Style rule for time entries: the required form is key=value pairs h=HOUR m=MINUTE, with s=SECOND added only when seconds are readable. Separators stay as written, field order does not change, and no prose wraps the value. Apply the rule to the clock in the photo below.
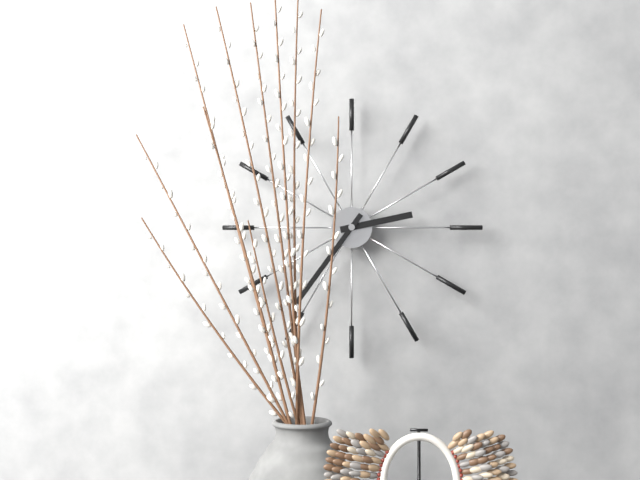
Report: h=2 m=36
